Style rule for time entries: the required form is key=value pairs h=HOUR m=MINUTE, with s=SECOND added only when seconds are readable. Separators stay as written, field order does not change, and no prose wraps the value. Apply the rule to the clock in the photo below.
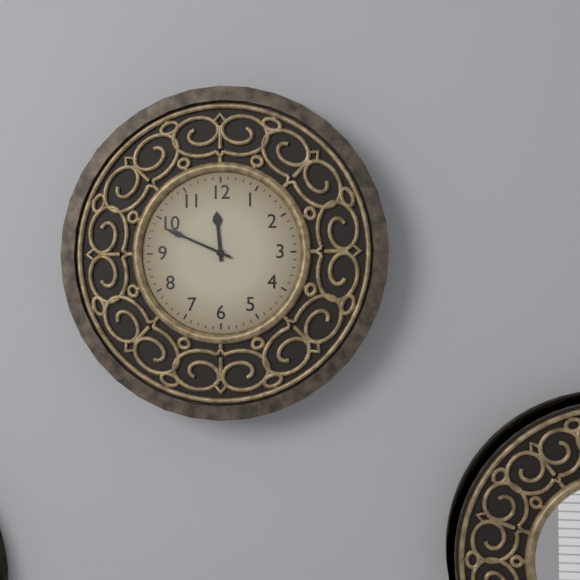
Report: h=11 m=49
